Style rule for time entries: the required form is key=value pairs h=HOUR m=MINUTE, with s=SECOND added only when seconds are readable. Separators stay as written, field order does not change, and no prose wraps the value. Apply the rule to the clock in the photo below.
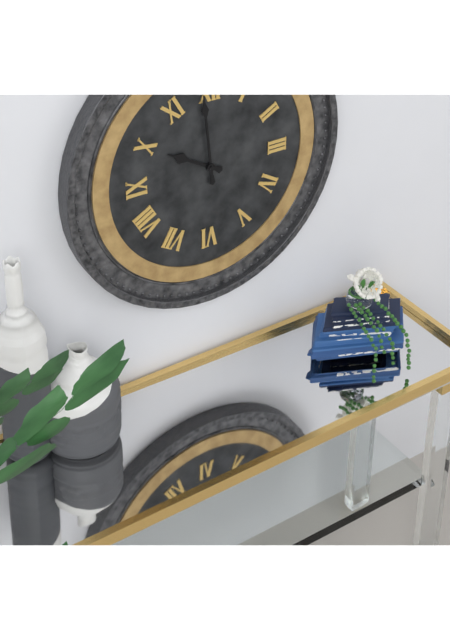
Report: h=9 m=59
